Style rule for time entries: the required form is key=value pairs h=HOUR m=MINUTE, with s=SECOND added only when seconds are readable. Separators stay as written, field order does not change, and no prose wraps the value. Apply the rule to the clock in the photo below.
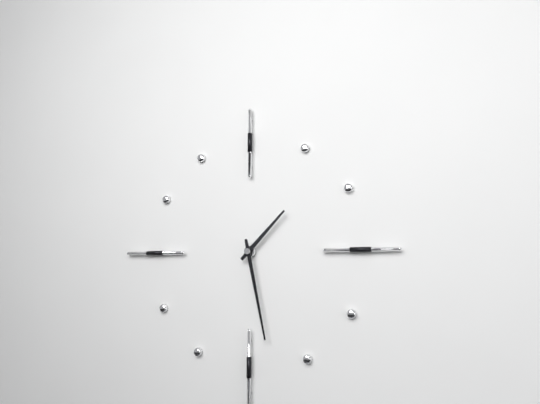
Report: h=1 m=28
